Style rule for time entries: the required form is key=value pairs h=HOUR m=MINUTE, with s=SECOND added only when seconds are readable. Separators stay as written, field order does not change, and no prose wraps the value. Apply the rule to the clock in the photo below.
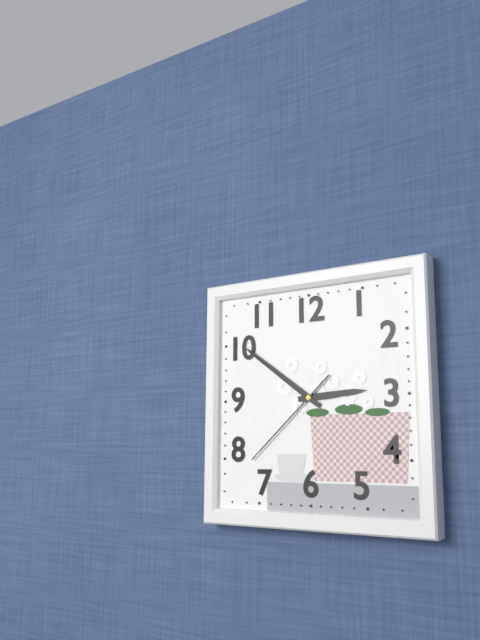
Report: h=2 m=51 s=38
